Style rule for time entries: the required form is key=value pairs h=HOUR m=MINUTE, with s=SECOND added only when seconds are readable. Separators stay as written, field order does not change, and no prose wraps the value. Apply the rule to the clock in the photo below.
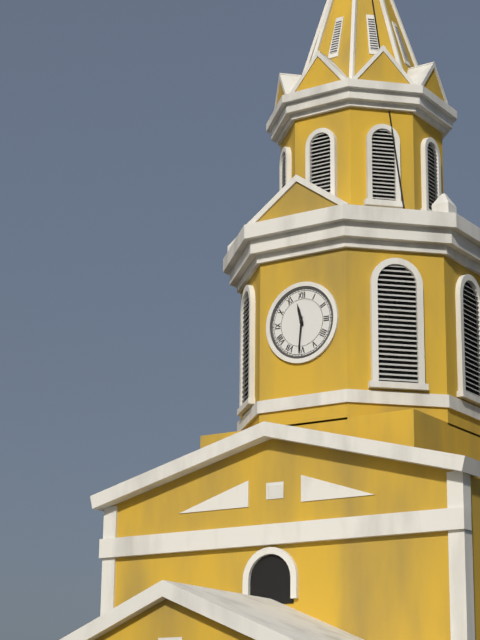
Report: h=11 m=31
